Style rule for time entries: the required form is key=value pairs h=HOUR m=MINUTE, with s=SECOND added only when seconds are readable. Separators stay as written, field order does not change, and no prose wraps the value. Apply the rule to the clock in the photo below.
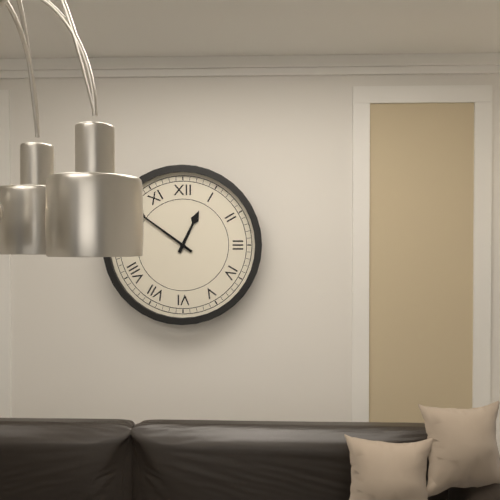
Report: h=12 m=51
